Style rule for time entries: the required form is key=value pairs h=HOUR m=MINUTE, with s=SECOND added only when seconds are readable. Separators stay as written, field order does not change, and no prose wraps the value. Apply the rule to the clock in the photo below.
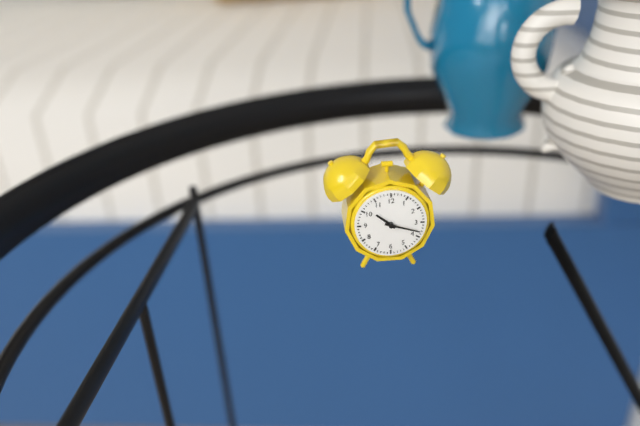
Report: h=10 m=18
